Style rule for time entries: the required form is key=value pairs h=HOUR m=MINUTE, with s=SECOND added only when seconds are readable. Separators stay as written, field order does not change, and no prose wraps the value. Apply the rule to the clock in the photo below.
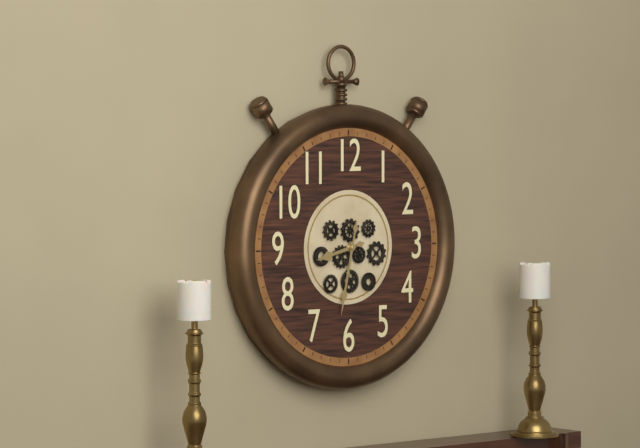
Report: h=8 m=32
